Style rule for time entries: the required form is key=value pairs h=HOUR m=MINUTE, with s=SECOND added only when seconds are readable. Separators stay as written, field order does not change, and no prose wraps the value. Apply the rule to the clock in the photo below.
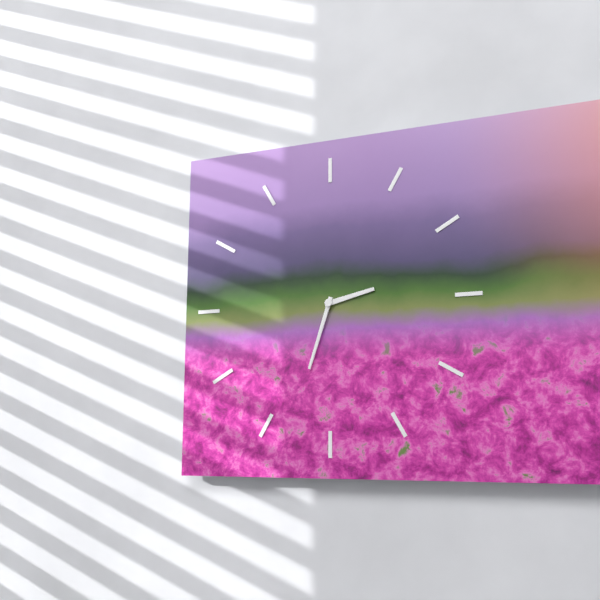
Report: h=2 m=33
